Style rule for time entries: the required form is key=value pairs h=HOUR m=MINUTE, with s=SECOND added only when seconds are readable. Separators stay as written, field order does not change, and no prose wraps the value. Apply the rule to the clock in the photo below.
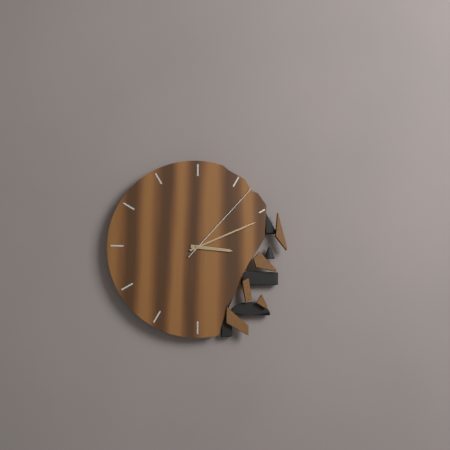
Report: h=3 m=11 s=7
